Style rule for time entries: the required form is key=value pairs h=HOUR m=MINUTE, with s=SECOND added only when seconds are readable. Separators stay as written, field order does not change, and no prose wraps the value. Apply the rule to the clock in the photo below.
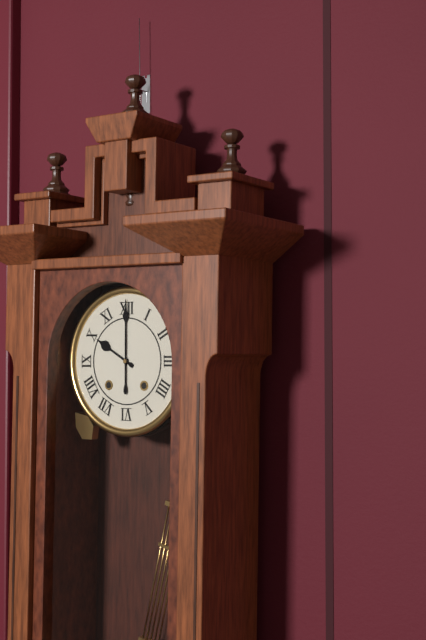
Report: h=10 m=0
